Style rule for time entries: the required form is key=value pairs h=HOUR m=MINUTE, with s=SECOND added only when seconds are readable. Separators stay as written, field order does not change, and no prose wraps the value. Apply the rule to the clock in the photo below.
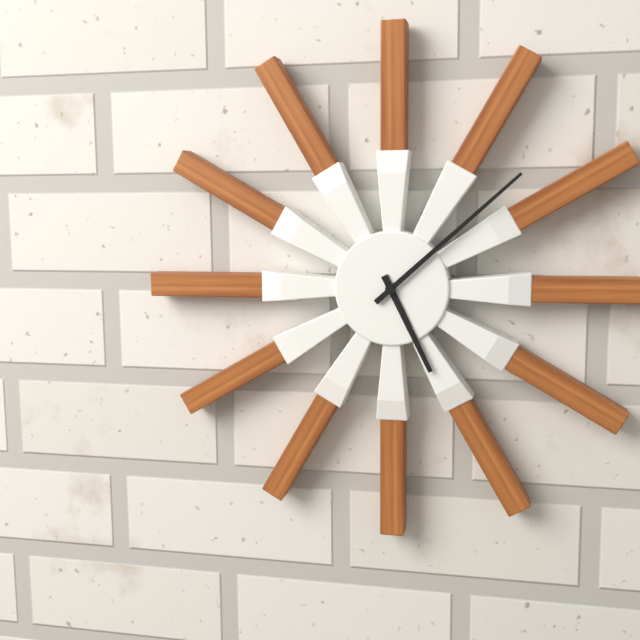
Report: h=5 m=8
